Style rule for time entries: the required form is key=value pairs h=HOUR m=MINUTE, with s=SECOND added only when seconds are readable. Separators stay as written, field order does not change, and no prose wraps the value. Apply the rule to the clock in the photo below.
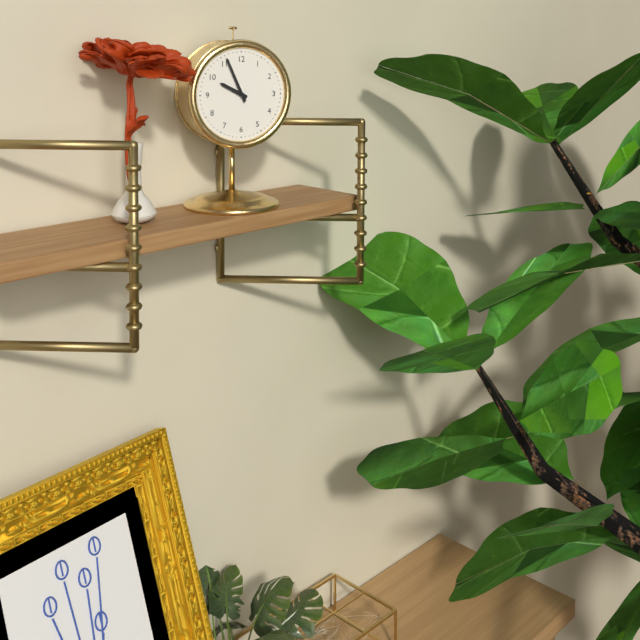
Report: h=9 m=56
